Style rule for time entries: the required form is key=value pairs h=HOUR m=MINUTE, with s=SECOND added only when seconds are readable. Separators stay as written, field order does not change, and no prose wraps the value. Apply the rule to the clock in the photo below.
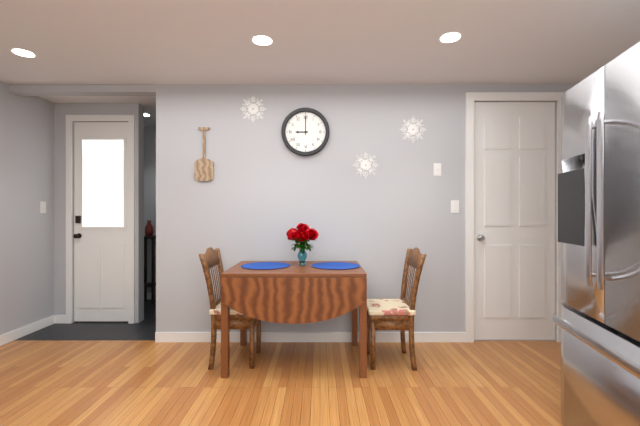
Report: h=9 m=0
